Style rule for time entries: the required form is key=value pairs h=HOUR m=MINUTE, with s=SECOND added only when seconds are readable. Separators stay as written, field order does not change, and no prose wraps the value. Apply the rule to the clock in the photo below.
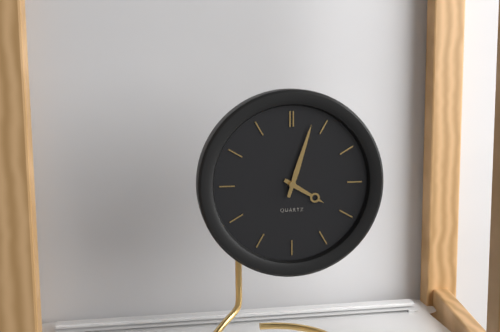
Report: h=4 m=3
